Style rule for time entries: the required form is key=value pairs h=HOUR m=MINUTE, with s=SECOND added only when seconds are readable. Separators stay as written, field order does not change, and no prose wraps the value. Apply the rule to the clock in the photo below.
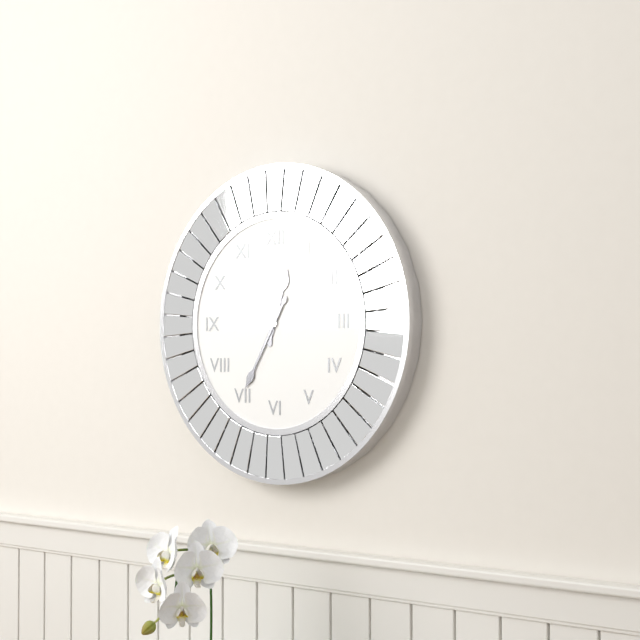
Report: h=12 m=35
